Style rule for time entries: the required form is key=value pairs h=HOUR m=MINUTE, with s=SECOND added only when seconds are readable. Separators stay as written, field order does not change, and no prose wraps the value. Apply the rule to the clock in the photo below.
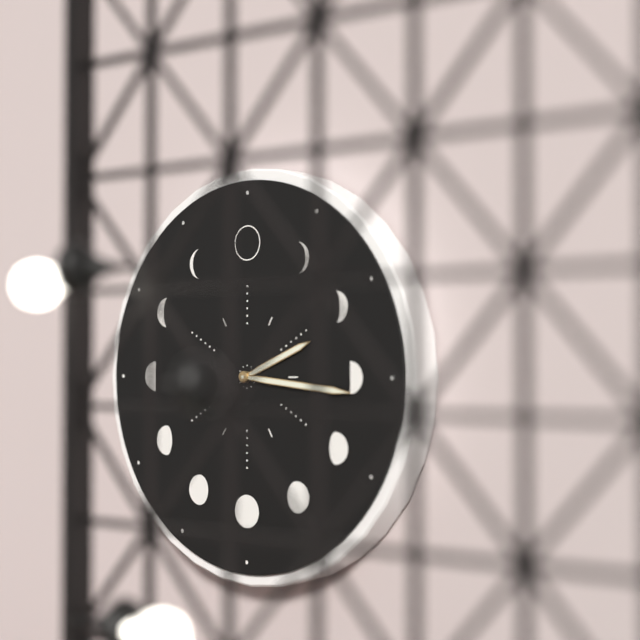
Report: h=2 m=16
